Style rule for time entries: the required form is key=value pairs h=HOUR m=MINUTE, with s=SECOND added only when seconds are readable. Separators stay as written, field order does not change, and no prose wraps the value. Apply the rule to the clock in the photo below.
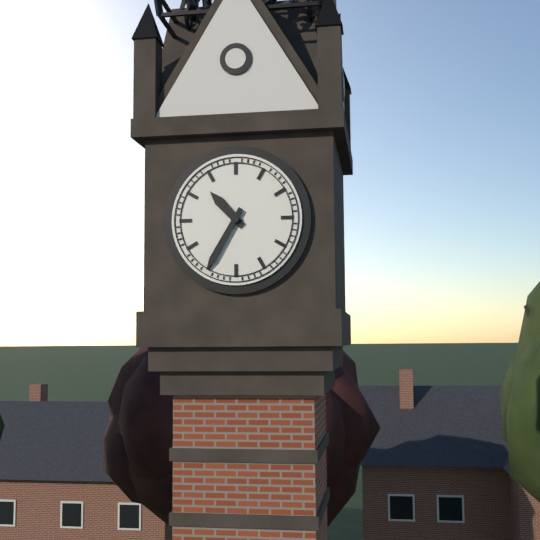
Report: h=10 m=35
